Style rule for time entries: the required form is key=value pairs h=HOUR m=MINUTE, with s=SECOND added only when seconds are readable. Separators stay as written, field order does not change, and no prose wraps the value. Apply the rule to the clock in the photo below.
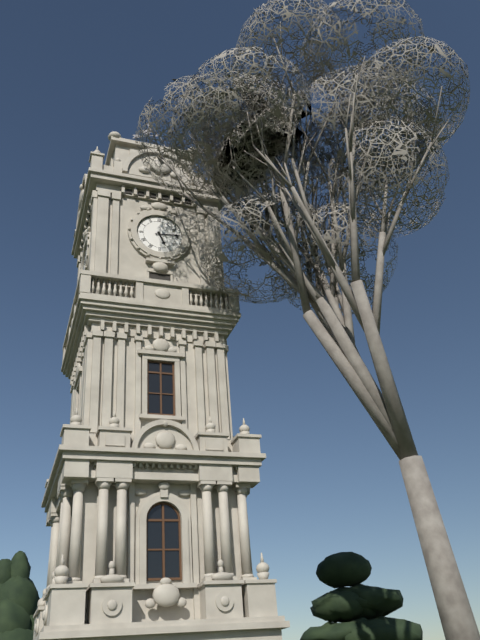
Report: h=5 m=14
